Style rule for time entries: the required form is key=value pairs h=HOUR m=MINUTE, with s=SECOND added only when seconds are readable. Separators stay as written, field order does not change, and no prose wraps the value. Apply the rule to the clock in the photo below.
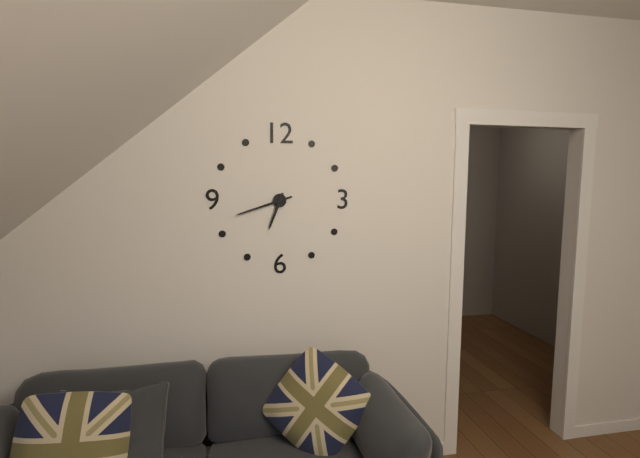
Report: h=6 m=42
